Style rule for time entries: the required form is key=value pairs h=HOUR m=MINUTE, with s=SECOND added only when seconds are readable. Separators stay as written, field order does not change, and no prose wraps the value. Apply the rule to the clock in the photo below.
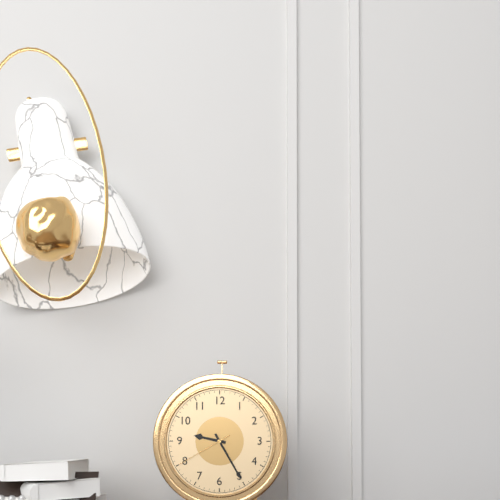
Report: h=9 m=25 s=40
